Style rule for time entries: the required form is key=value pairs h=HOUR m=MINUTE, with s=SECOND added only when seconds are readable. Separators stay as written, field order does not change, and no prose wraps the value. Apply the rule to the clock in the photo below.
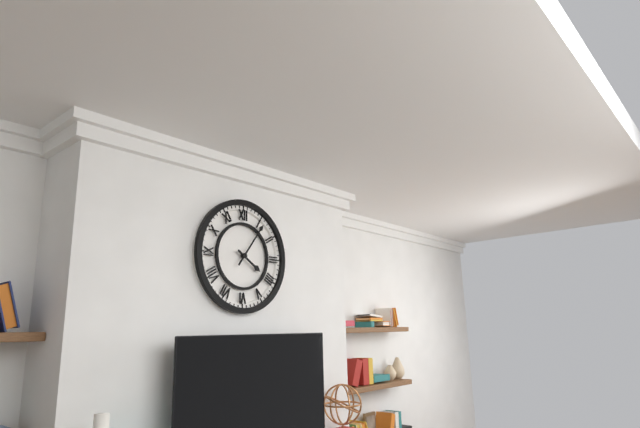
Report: h=4 m=6
